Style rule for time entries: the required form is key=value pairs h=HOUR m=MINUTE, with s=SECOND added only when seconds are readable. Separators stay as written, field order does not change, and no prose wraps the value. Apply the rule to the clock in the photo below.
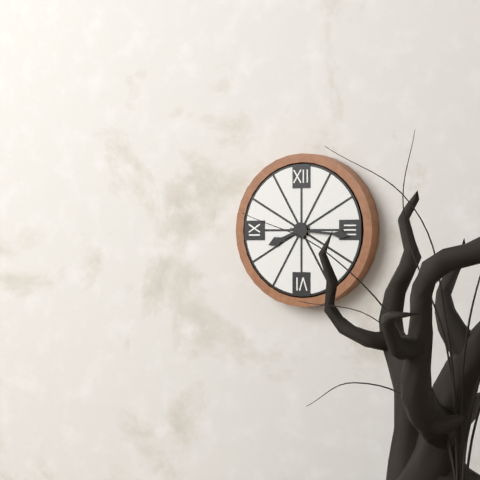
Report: h=8 m=16
